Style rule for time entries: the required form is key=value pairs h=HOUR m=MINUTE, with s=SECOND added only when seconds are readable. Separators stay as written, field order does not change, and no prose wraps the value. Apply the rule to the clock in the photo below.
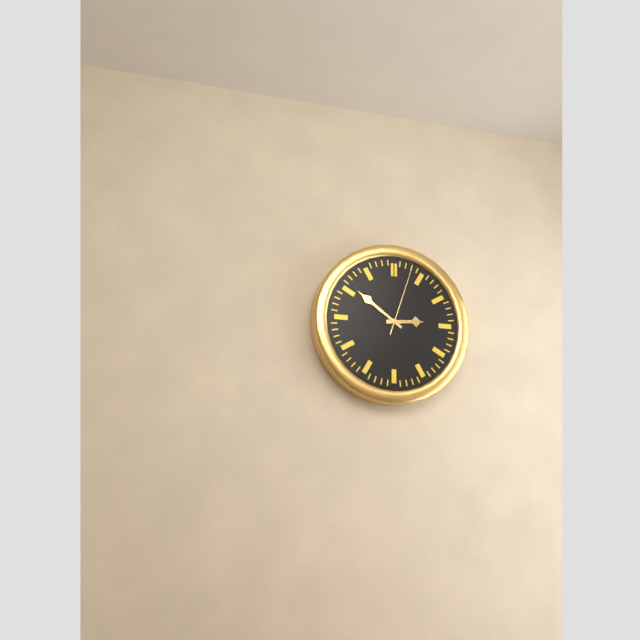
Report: h=2 m=51 s=3
